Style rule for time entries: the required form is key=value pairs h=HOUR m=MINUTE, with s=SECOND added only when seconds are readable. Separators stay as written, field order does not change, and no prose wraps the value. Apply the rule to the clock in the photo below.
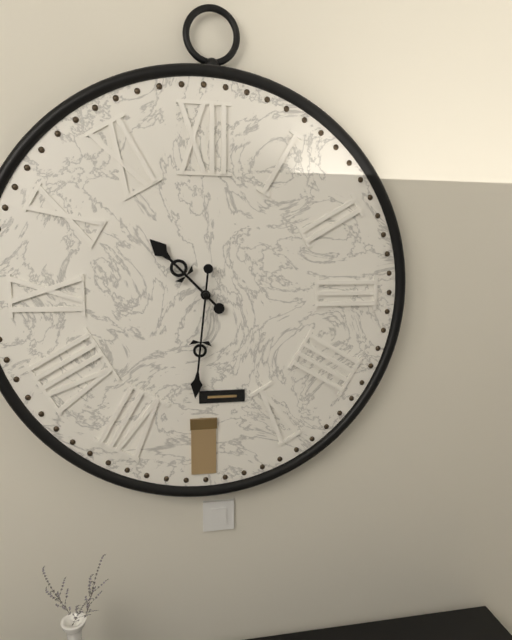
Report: h=10 m=31
